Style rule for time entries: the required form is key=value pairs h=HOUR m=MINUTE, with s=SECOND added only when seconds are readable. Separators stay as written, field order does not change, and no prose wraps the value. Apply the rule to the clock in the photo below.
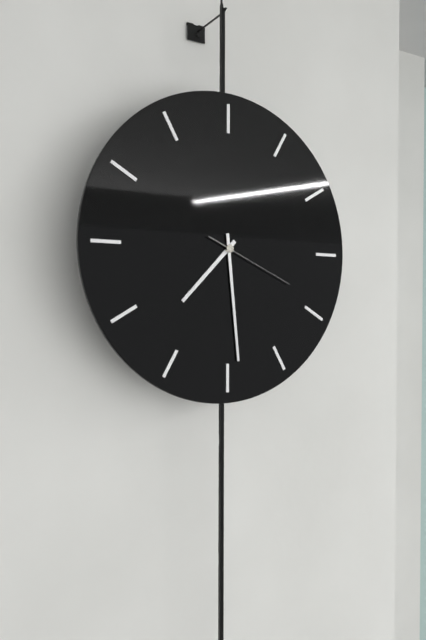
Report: h=7 m=29 s=19
